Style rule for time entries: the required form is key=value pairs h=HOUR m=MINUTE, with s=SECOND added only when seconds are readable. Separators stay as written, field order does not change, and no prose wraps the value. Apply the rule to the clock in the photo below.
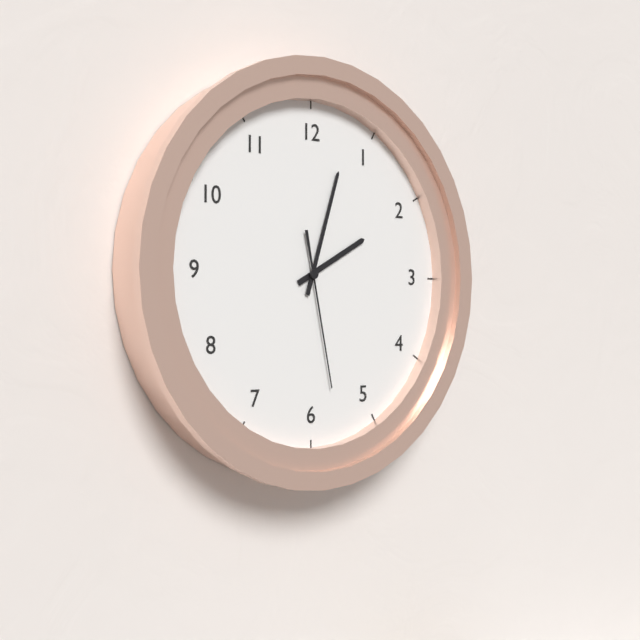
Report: h=2 m=3 s=28
